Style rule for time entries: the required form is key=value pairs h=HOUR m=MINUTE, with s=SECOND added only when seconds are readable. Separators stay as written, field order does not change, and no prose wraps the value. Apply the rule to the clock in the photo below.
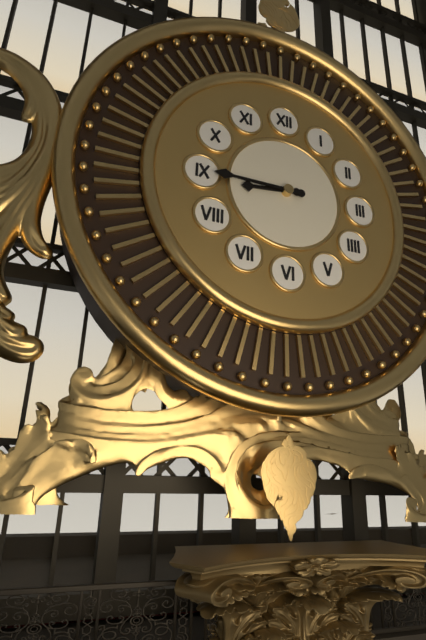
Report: h=8 m=45
